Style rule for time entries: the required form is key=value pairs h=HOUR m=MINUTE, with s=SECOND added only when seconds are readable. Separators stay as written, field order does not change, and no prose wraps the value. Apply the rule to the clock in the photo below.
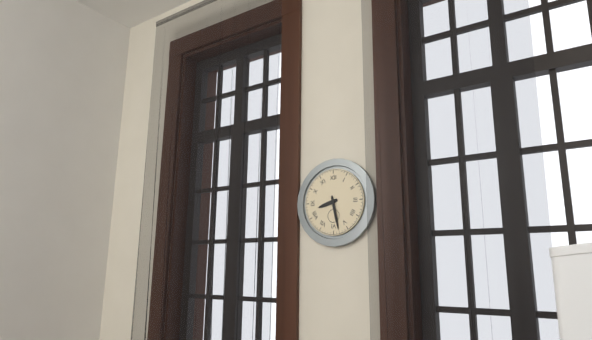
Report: h=8 m=28
